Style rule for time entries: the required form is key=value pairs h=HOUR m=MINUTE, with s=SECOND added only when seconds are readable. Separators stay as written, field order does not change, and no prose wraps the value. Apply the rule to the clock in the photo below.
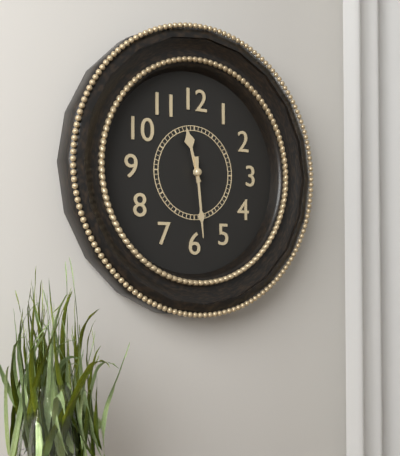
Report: h=11 m=29
